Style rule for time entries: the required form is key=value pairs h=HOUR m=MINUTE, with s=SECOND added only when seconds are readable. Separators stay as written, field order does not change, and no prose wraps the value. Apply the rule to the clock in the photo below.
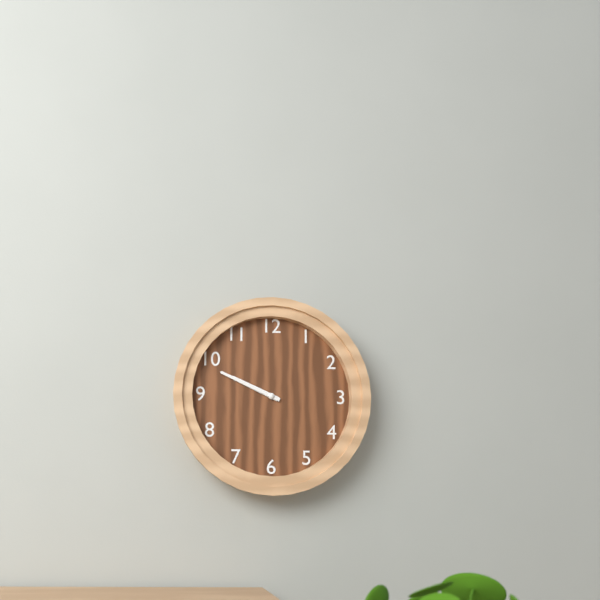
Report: h=9 m=49
